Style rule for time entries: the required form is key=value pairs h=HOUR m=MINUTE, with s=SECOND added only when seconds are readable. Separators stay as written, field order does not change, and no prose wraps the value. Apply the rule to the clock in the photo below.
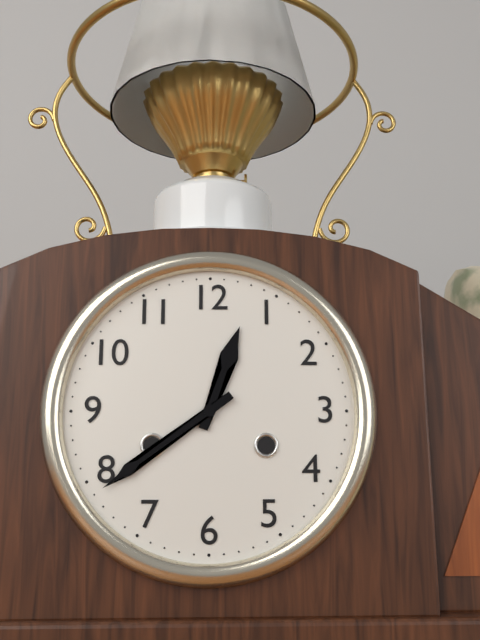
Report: h=12 m=39
